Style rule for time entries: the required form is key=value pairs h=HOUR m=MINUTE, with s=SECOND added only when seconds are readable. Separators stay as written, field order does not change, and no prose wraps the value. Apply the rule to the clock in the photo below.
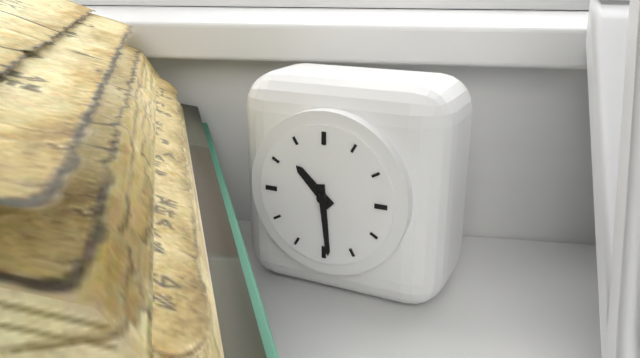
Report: h=10 m=29
